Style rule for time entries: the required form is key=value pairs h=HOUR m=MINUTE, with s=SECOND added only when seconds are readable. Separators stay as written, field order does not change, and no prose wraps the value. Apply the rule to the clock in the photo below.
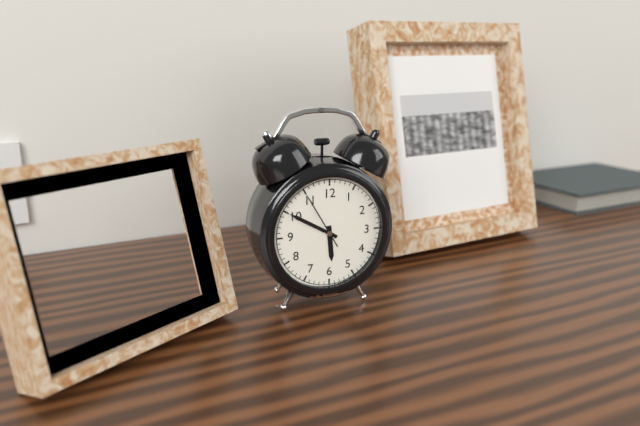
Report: h=5 m=50 s=55
